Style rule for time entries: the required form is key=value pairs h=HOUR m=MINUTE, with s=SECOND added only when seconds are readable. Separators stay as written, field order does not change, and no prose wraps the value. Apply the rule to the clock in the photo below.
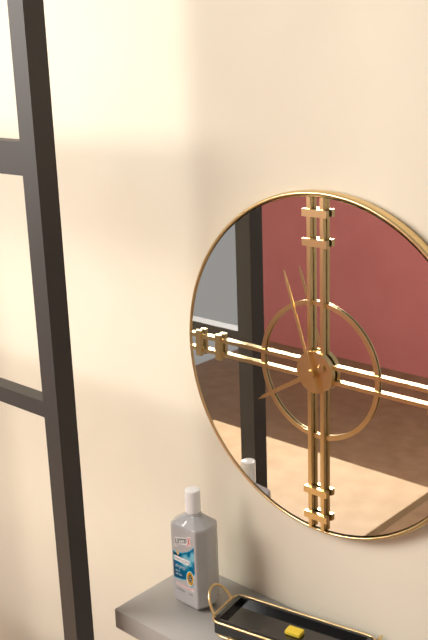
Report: h=7 m=57
